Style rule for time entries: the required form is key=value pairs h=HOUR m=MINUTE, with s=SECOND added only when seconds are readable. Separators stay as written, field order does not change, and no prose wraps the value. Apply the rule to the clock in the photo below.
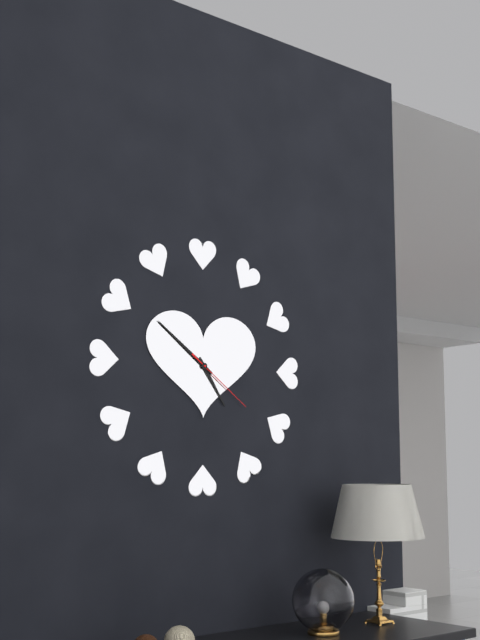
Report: h=4 m=51 s=21
